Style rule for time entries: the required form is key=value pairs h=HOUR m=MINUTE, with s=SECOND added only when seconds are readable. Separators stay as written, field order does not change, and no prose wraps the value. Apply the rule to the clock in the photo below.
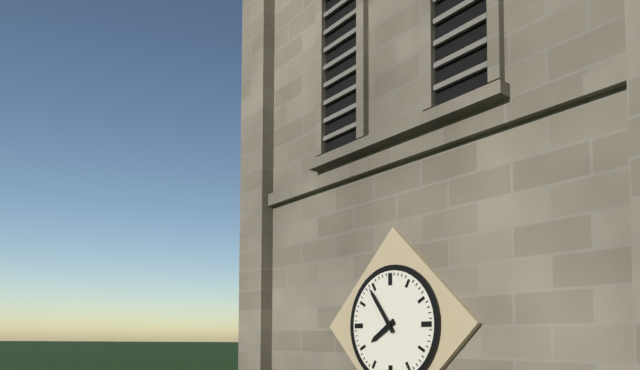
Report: h=7 m=54
